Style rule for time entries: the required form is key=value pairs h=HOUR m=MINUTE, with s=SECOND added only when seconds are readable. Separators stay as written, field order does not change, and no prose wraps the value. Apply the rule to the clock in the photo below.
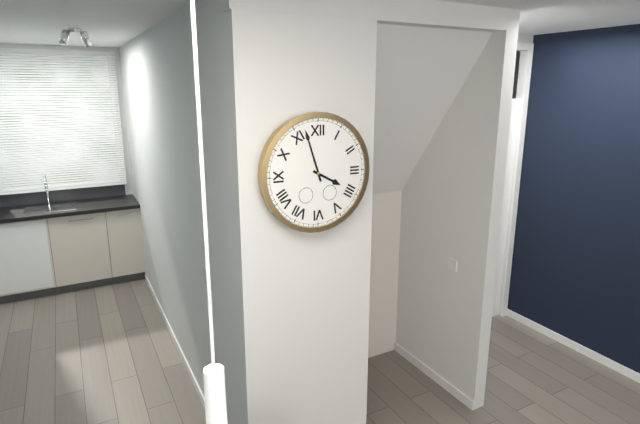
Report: h=3 m=57
